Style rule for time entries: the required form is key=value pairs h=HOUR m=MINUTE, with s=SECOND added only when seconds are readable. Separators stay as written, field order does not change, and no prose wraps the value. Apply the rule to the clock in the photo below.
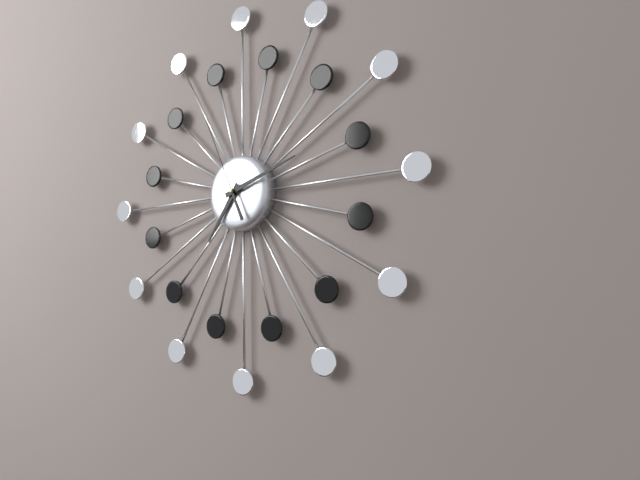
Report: h=7 m=12 s=56
